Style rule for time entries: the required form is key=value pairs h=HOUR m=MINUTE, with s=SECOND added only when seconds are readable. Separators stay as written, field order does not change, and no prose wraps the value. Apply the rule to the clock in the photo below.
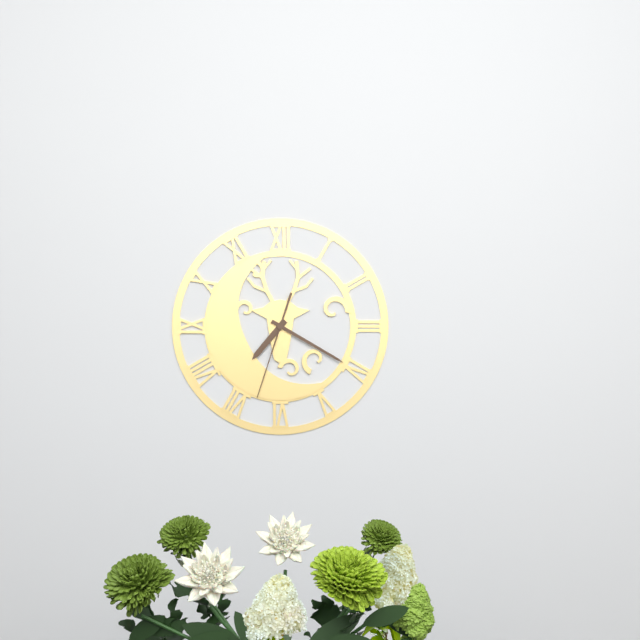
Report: h=7 m=20 s=33
